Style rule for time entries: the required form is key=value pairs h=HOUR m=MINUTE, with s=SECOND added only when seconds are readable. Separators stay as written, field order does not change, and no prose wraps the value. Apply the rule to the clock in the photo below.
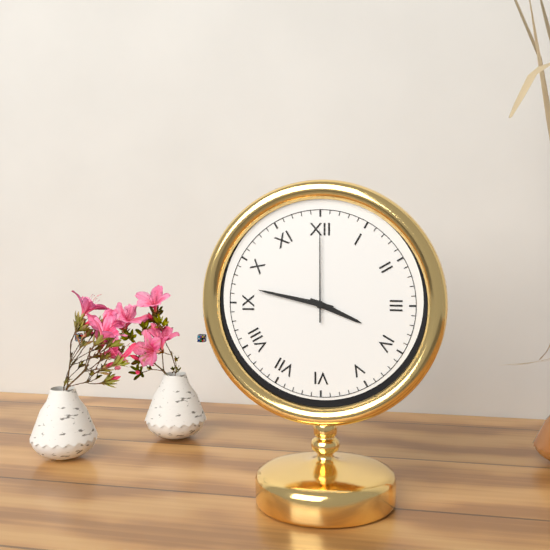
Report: h=3 m=47 s=0
